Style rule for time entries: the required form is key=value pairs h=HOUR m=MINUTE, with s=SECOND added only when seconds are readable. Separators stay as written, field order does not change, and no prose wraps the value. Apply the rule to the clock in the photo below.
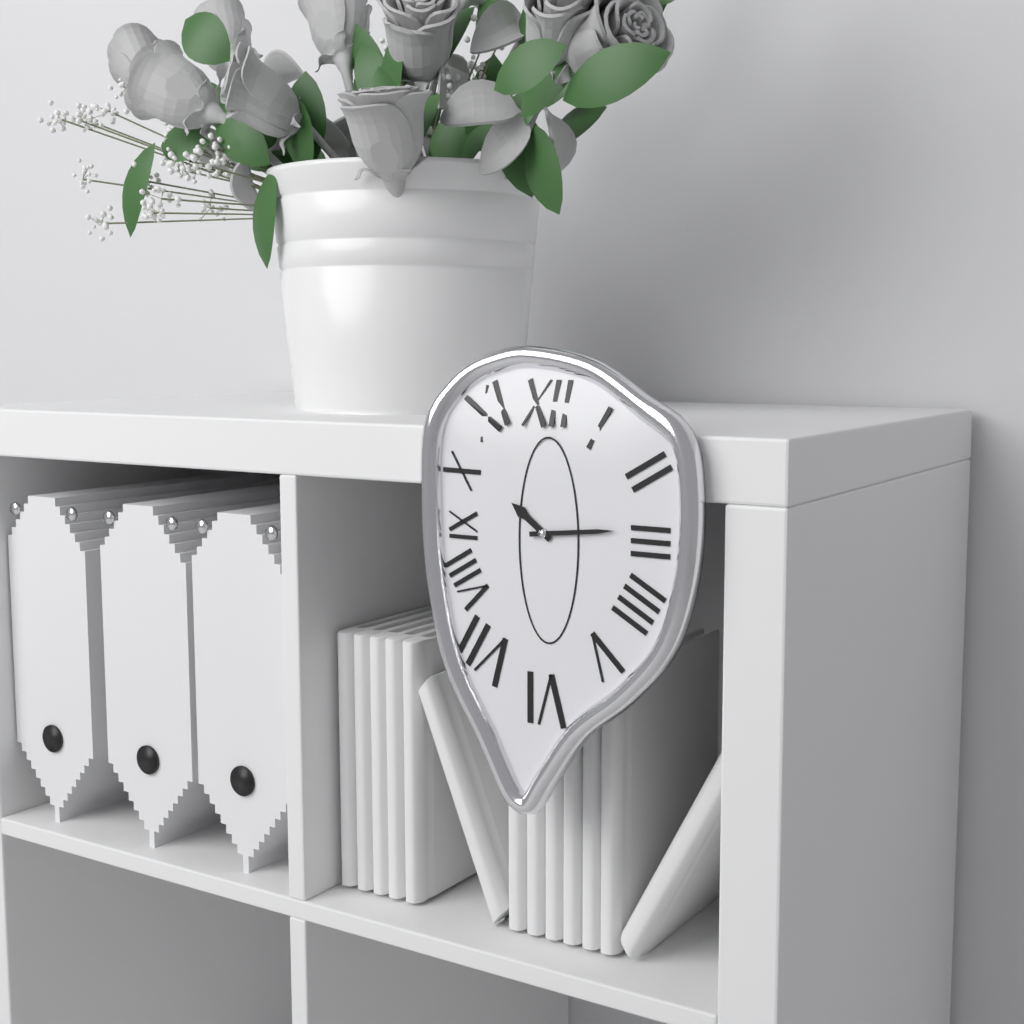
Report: h=10 m=14
